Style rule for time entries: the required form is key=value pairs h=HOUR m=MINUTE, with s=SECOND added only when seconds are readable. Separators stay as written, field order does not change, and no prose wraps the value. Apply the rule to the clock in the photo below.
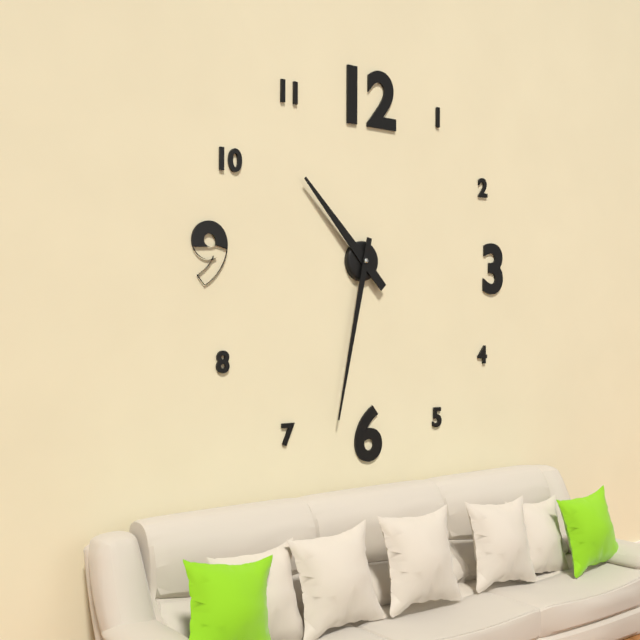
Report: h=10 m=32
